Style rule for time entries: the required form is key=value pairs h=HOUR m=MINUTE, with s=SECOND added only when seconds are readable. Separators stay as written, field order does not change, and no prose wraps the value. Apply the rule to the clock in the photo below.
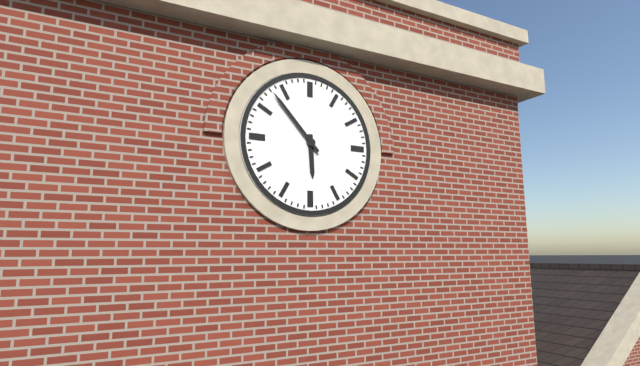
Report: h=5 m=53
